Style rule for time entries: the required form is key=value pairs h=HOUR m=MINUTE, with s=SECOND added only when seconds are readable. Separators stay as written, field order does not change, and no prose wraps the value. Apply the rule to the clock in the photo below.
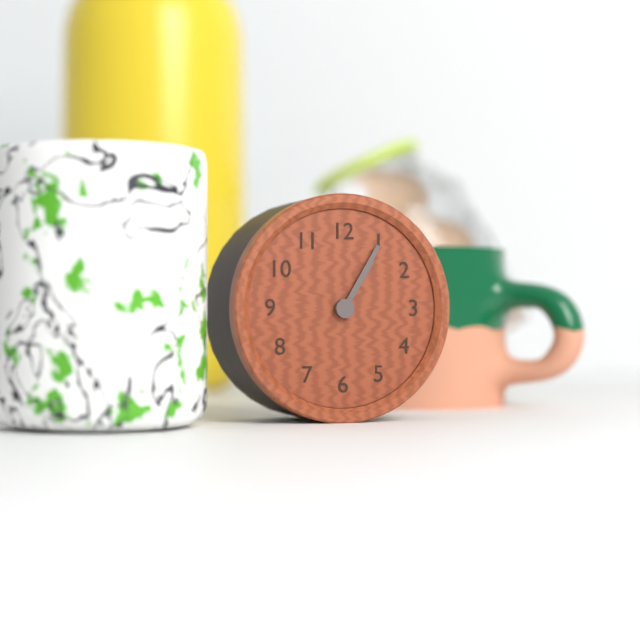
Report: h=1 m=5
